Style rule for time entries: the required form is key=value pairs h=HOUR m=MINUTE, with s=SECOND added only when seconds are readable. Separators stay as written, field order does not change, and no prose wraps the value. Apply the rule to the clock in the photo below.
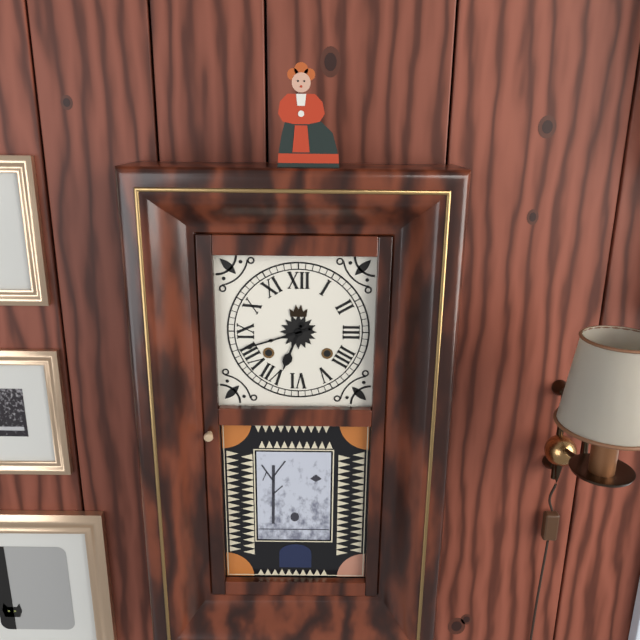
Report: h=6 m=42
